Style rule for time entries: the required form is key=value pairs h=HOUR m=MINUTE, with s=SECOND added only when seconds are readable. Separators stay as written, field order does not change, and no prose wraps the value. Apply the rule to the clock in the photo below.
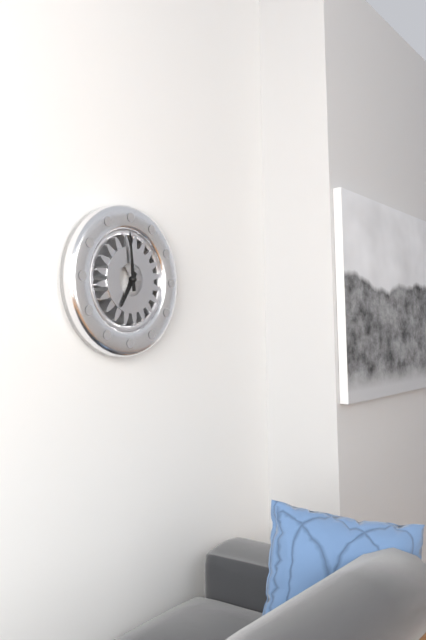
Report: h=6 m=59
